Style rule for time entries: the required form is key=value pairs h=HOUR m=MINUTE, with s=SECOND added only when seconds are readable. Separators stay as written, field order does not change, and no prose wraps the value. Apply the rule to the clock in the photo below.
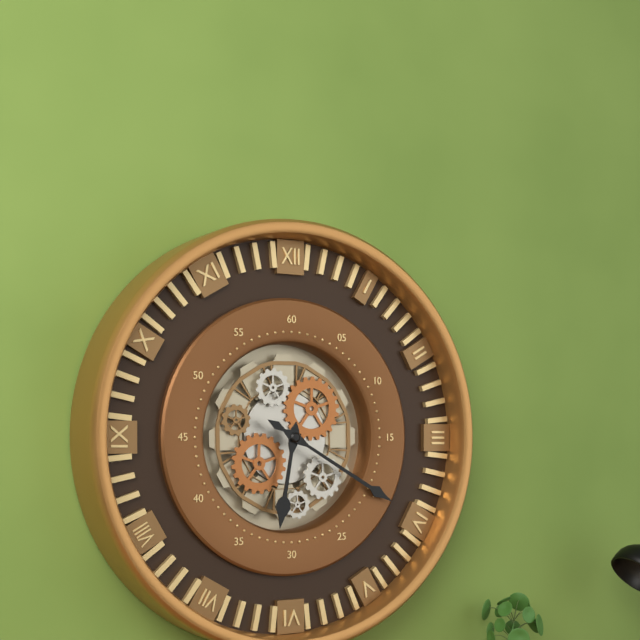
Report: h=6 m=20
